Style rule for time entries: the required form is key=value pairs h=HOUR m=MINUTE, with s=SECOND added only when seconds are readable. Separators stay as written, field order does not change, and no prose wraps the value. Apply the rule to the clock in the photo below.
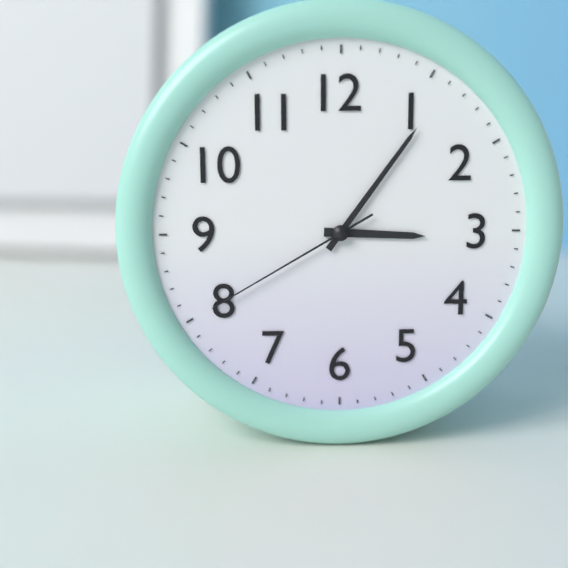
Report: h=3 m=6 s=40
